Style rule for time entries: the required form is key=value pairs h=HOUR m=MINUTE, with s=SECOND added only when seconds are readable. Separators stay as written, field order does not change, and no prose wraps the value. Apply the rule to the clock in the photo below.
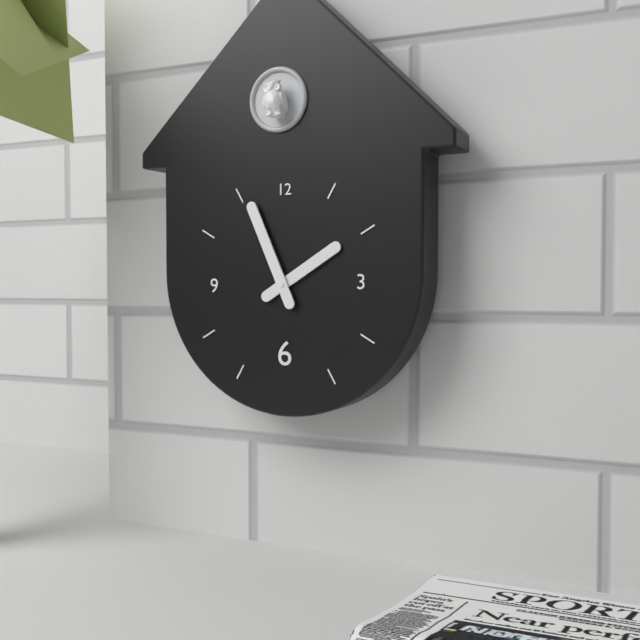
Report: h=1 m=56
